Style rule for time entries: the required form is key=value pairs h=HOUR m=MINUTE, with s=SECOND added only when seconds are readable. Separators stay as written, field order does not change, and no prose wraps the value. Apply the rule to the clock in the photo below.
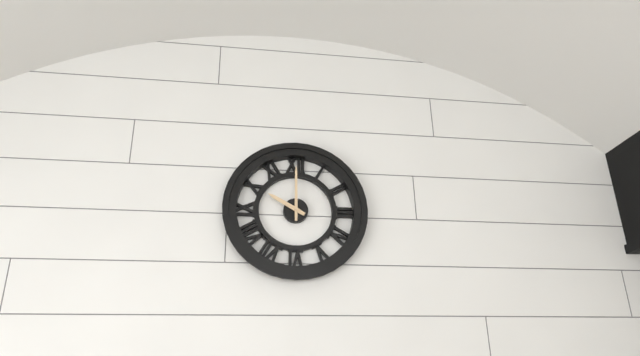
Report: h=10 m=0
